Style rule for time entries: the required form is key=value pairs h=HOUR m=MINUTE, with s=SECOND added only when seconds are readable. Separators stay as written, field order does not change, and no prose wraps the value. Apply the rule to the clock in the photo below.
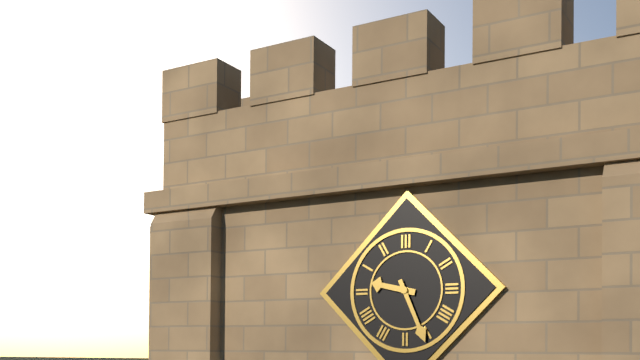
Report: h=9 m=26
